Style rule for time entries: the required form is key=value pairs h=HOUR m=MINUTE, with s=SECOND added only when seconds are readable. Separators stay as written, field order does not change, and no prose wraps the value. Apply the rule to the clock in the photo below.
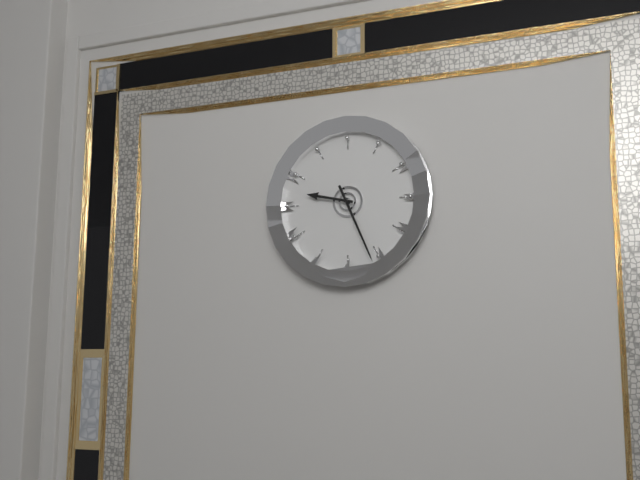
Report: h=9 m=26
